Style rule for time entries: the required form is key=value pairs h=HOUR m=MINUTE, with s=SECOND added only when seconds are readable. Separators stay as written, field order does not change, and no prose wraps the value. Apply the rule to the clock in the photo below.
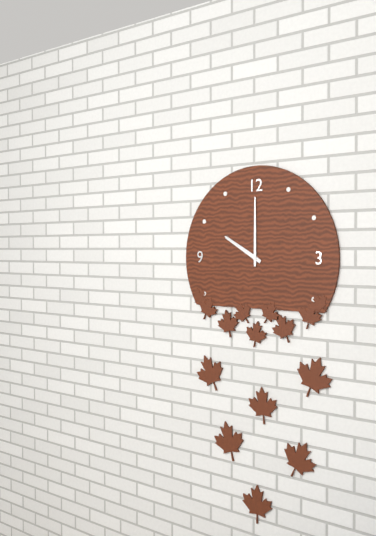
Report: h=10 m=0
